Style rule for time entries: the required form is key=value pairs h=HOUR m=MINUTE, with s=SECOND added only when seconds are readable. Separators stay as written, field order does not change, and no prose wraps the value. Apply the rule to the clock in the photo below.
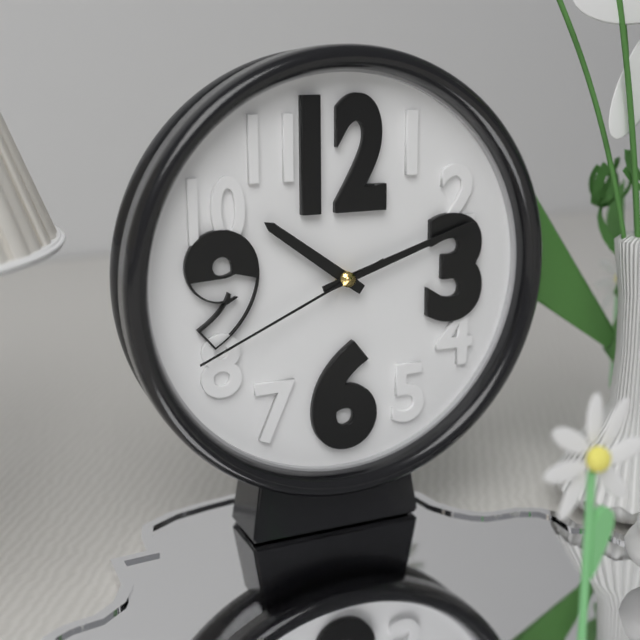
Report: h=10 m=12 s=41
